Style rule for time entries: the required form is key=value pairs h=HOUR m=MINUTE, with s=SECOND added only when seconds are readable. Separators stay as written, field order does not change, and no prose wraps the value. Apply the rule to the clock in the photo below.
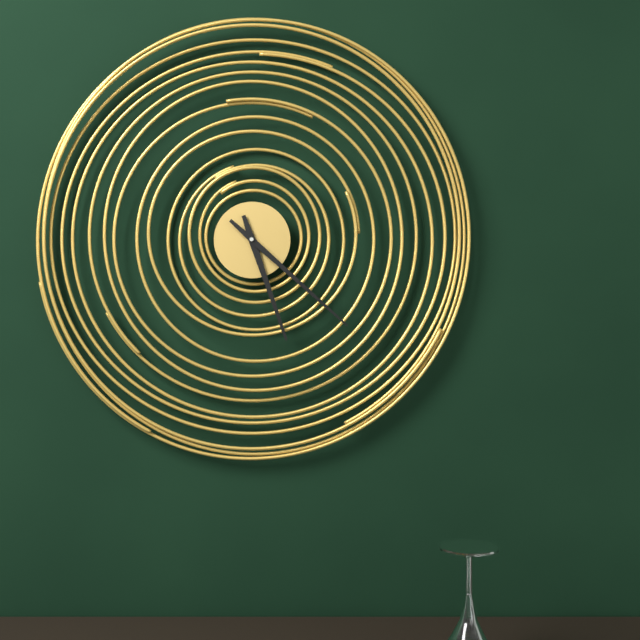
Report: h=5 m=22
